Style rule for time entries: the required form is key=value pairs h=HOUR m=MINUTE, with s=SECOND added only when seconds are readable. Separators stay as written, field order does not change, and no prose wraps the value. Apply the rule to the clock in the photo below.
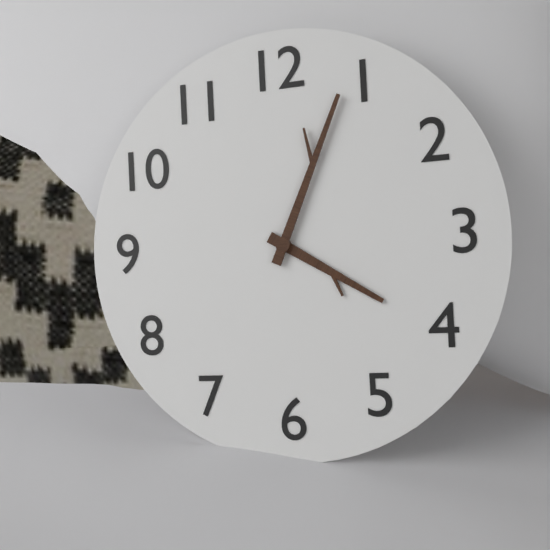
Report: h=4 m=4
